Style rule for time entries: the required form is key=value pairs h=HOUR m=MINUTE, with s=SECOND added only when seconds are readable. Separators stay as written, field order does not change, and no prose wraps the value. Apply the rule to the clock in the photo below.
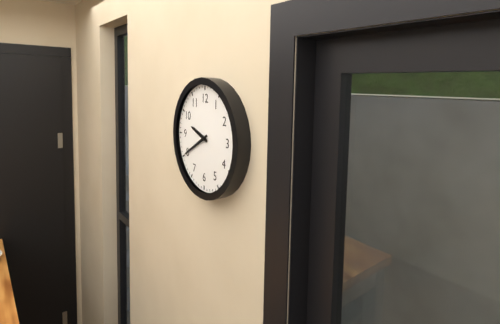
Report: h=9 m=40
